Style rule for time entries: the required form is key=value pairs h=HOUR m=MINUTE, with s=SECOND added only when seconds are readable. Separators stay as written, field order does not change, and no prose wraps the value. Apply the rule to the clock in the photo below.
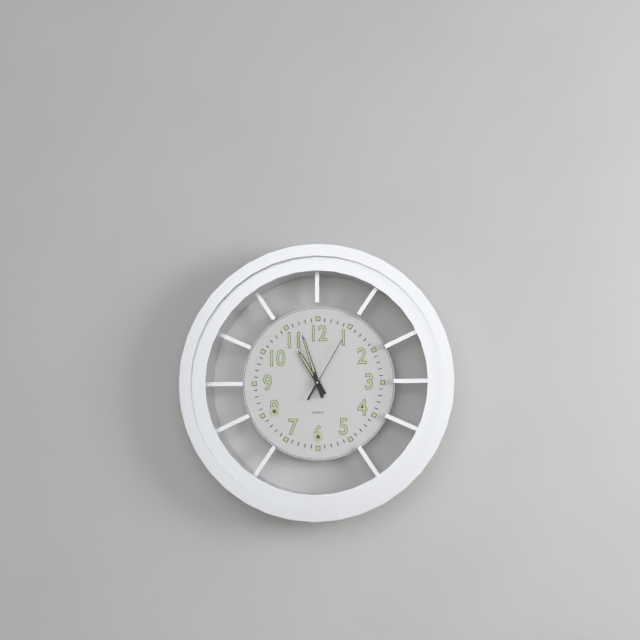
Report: h=10 m=57 s=5
